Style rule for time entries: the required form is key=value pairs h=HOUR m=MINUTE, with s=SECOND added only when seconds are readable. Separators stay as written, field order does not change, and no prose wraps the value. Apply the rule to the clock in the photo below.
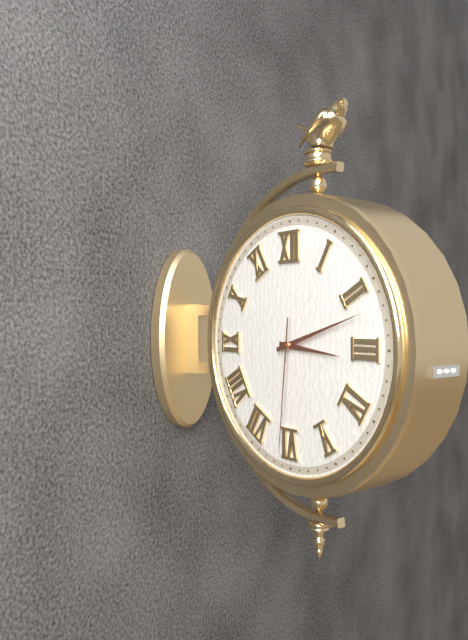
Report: h=3 m=12 s=31
